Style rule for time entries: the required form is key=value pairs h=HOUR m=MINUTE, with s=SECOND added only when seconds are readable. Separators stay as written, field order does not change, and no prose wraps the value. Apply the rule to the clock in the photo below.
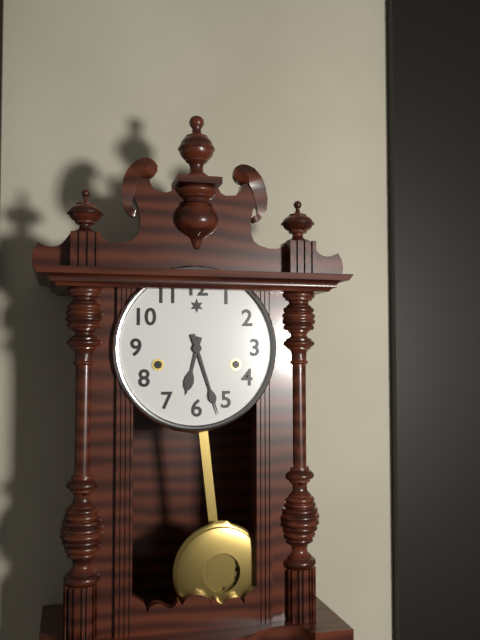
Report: h=6 m=27
